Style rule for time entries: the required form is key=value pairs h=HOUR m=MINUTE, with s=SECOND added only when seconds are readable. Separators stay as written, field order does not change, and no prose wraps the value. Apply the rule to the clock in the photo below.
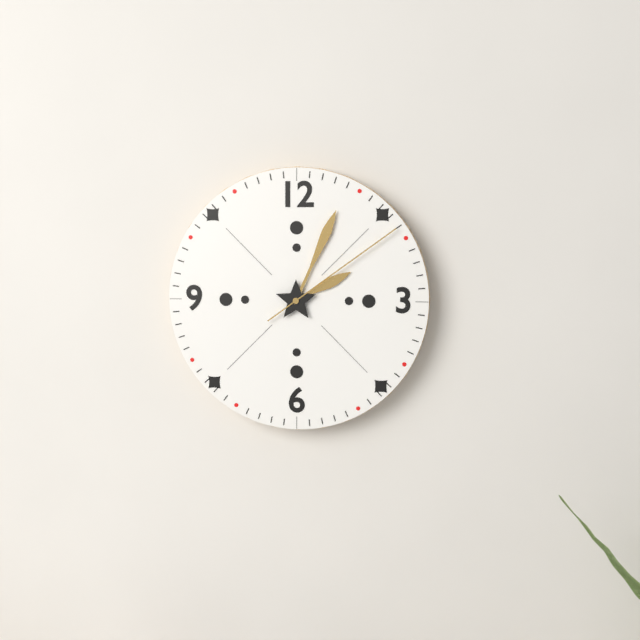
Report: h=2 m=4 s=9
